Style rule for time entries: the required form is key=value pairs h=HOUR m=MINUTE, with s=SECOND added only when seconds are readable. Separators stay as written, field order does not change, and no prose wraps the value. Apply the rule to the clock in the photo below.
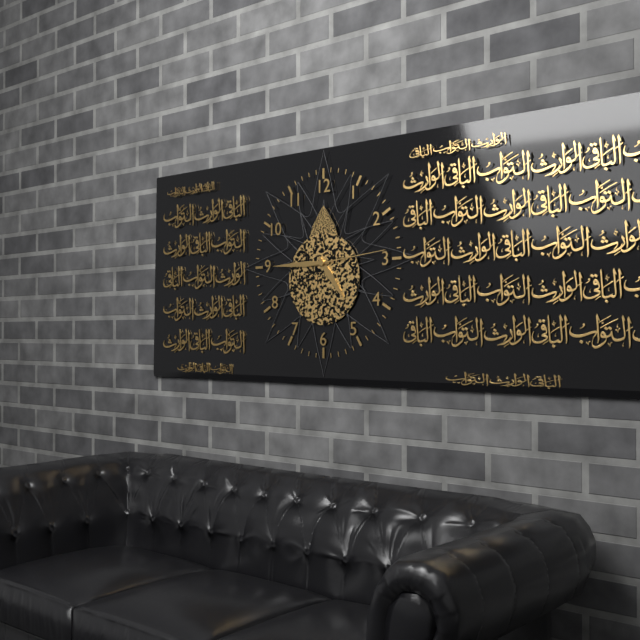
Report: h=4 m=45 s=14
